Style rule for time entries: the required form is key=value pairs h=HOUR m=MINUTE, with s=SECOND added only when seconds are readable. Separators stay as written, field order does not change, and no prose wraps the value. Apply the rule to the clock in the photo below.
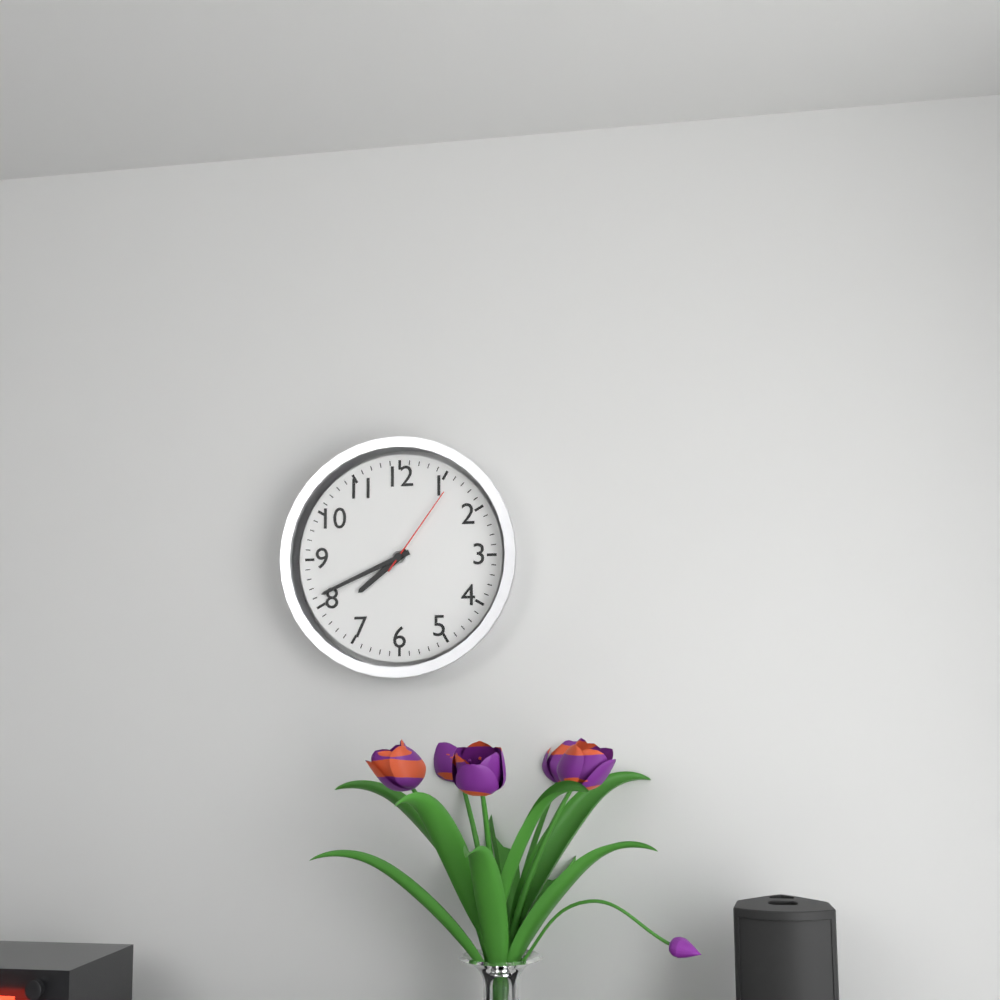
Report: h=7 m=41 s=6
